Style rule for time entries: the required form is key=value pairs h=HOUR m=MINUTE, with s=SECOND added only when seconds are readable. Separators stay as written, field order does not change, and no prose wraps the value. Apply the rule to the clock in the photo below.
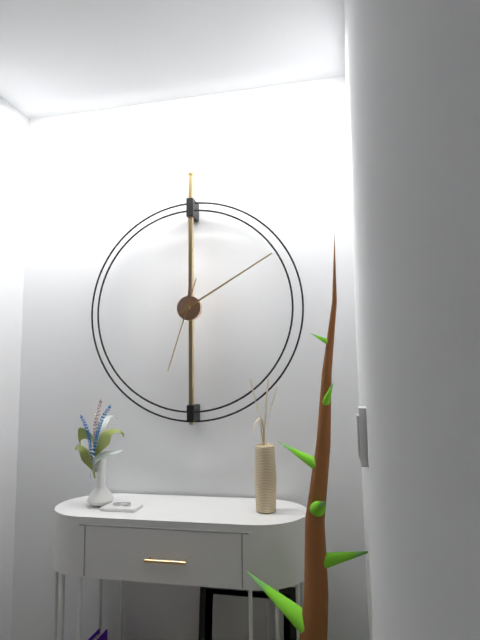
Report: h=12 m=10 s=33
